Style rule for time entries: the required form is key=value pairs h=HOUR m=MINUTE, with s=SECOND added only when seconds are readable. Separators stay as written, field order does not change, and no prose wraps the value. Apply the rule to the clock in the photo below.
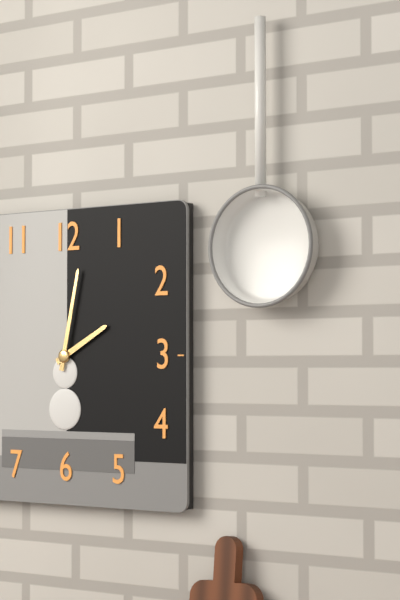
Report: h=2 m=2
